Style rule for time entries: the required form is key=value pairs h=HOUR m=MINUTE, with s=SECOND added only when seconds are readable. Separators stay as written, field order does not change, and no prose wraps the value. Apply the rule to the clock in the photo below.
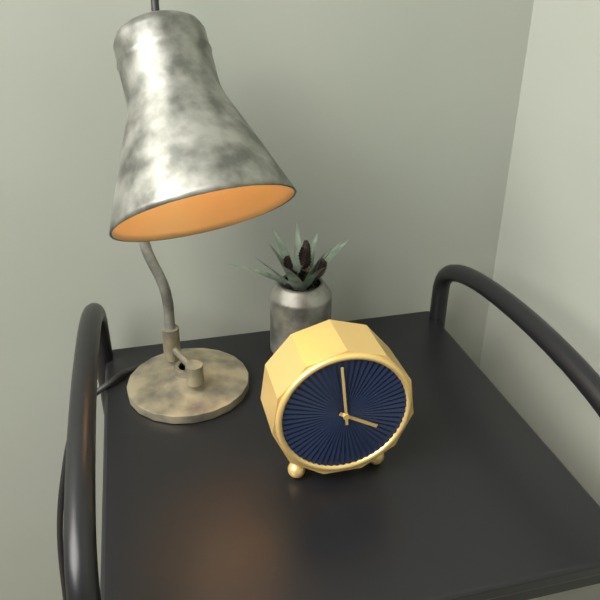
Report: h=3 m=59
